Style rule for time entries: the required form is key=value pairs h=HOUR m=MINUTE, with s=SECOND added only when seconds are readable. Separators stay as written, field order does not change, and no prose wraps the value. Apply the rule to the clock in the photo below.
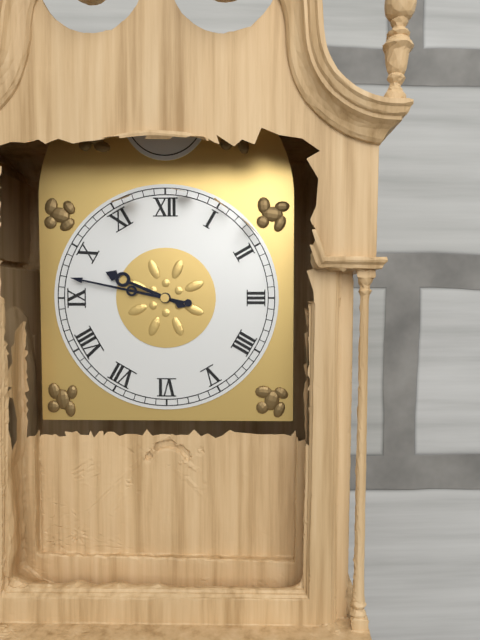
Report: h=9 m=47
